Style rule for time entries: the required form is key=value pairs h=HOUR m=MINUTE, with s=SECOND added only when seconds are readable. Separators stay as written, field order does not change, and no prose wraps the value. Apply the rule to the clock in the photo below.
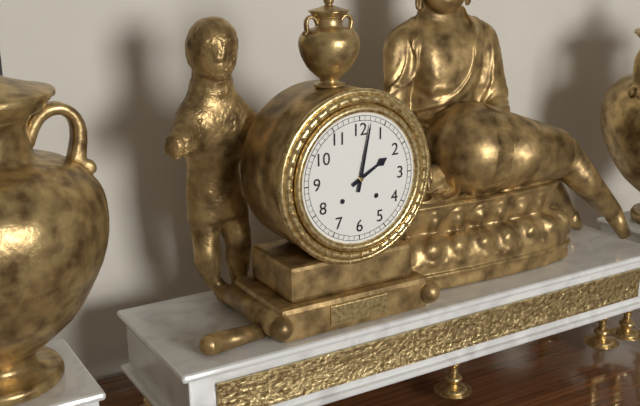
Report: h=2 m=2
